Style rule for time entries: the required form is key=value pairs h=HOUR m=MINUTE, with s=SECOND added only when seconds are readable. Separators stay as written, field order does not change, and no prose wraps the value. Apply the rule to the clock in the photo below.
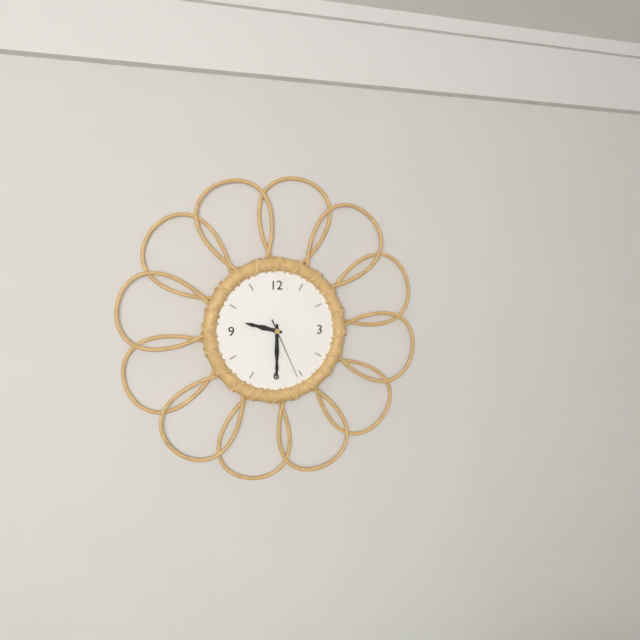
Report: h=9 m=30 s=26
